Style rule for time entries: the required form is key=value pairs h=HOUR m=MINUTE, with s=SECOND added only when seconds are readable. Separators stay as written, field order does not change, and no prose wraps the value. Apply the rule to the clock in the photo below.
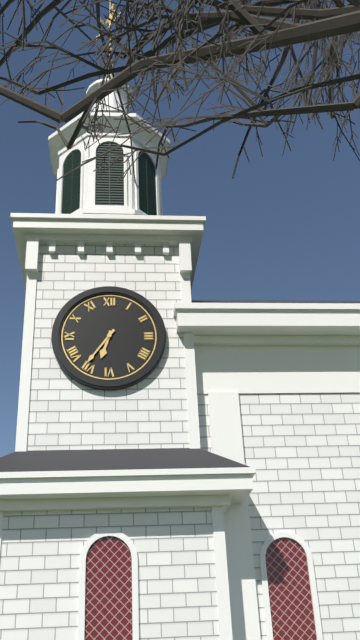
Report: h=6 m=36
